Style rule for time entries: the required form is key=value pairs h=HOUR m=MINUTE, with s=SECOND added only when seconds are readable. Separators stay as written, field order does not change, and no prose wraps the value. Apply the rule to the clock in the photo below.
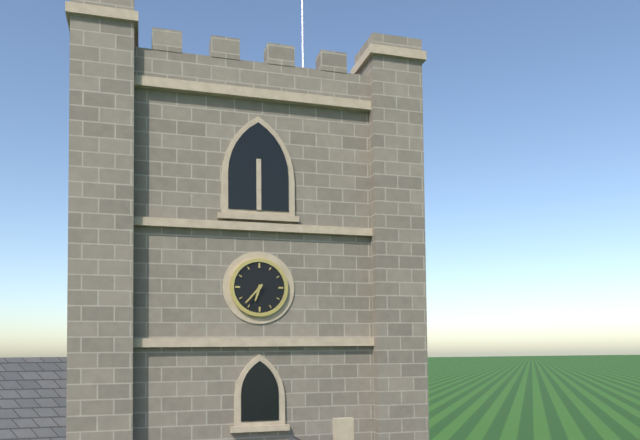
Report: h=6 m=37
